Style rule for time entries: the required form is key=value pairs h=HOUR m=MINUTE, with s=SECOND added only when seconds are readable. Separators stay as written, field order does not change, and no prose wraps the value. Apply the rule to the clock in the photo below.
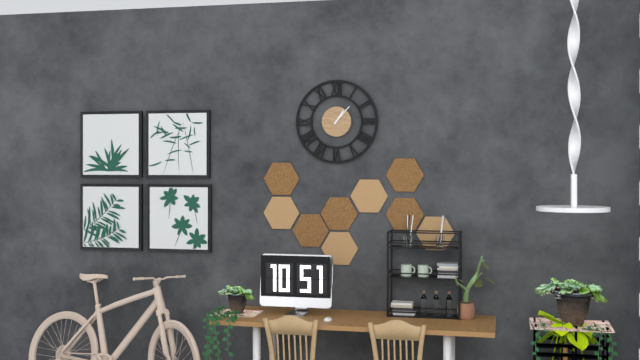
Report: h=1 m=7
